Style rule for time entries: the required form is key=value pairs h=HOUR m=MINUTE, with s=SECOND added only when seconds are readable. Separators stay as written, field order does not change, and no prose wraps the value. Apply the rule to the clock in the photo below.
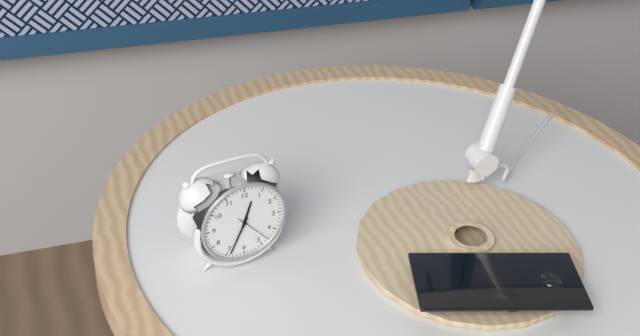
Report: h=12 m=34
